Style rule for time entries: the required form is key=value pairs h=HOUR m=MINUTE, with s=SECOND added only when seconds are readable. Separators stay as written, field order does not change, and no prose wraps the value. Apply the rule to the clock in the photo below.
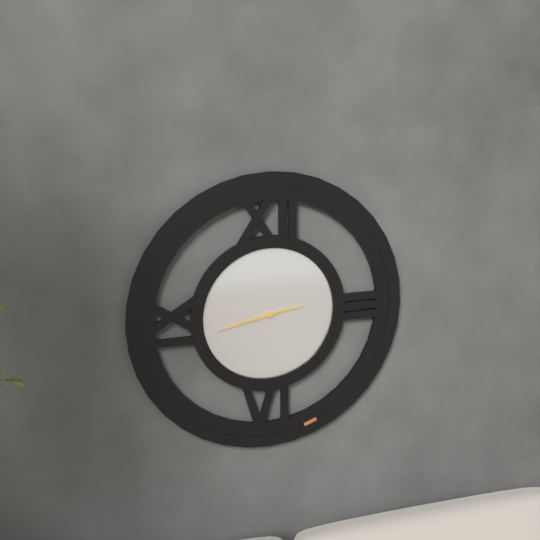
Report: h=2 m=43
